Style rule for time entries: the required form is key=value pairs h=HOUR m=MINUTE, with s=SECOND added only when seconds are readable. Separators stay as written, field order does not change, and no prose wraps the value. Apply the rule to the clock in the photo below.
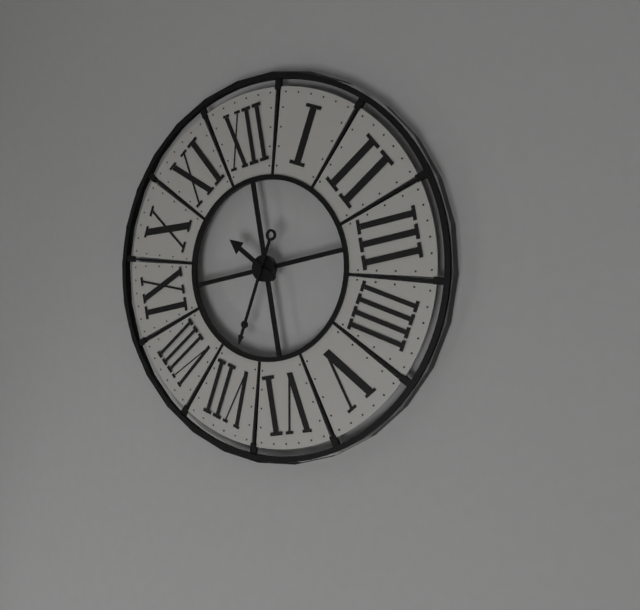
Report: h=10 m=35
